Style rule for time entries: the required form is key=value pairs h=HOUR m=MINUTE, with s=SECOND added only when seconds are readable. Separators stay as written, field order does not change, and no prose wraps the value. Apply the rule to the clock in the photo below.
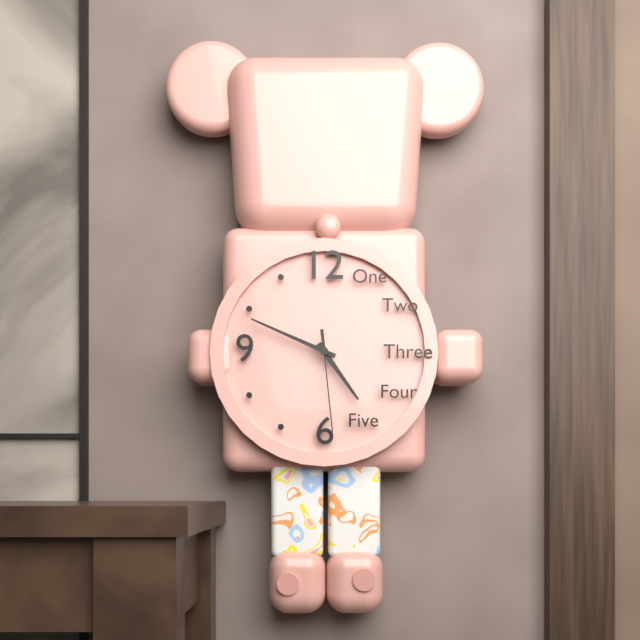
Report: h=4 m=49 s=29
